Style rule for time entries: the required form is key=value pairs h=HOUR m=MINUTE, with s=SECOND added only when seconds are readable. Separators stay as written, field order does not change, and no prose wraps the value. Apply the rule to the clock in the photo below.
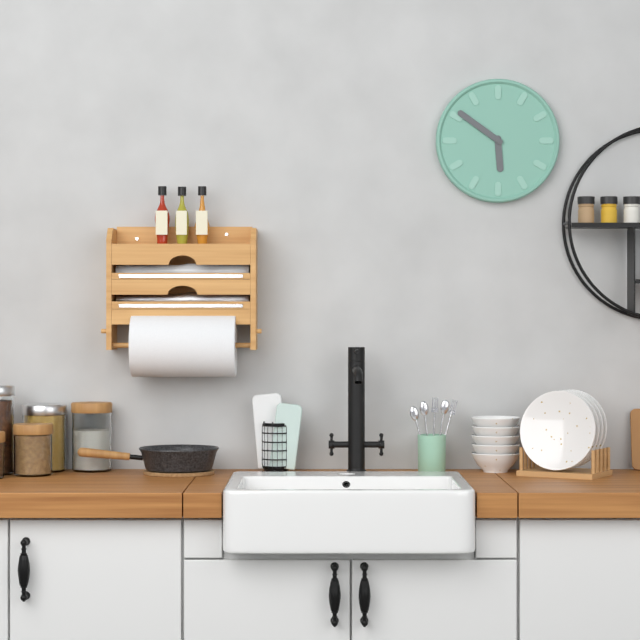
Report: h=5 m=51
